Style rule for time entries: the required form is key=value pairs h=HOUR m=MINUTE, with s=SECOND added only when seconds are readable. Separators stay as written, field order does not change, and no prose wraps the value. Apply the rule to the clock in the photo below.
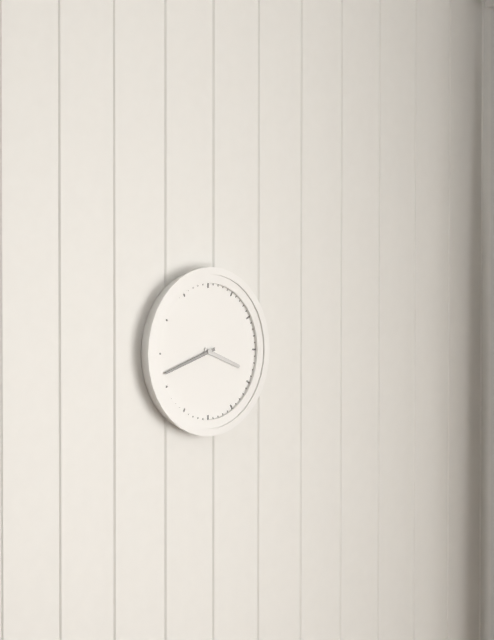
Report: h=3 m=42
